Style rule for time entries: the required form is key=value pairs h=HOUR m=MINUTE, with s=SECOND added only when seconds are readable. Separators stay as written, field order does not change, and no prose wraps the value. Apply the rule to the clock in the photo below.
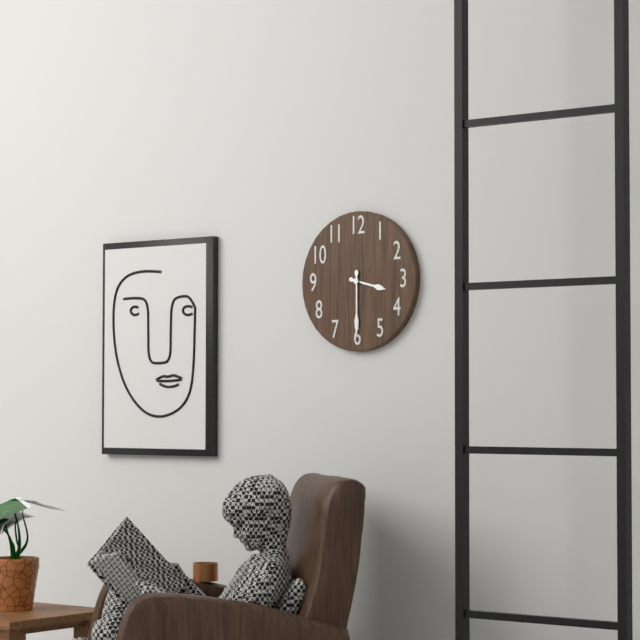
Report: h=3 m=30
